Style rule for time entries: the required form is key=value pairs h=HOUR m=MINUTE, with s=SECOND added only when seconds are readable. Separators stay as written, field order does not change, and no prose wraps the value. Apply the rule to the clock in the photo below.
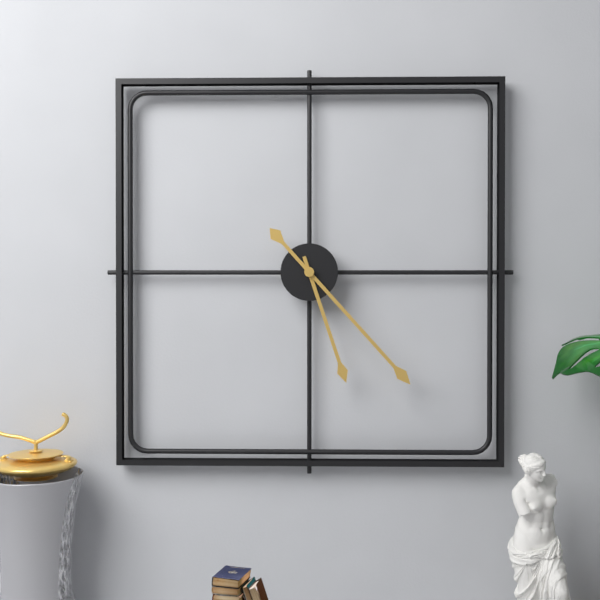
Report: h=5 m=23
